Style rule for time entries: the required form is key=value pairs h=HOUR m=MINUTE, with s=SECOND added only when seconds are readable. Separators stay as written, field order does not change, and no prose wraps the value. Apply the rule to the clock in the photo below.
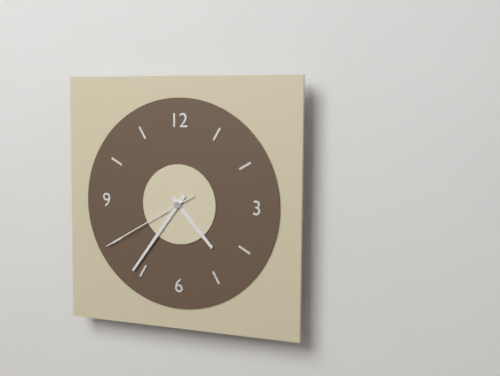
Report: h=4 m=36 s=40
